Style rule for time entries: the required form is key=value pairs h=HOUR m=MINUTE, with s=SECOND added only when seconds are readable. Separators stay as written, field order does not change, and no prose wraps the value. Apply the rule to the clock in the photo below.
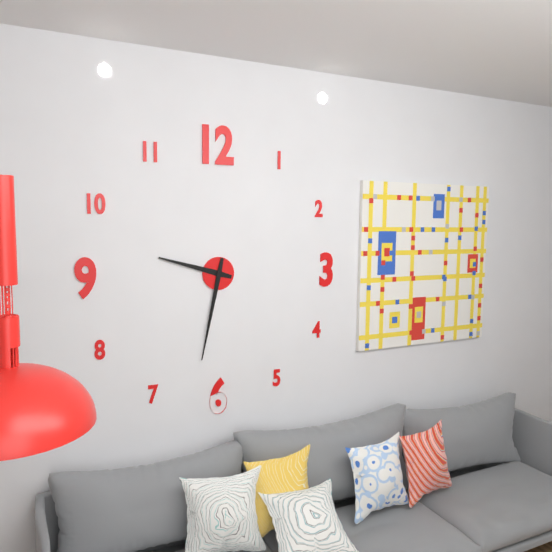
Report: h=9 m=32
